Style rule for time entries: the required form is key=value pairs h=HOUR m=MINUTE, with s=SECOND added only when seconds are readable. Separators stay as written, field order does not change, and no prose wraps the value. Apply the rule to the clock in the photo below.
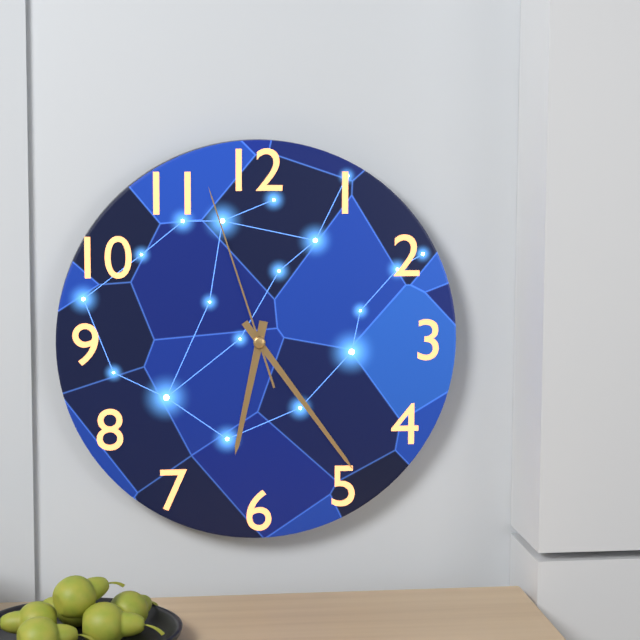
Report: h=6 m=24 s=57
